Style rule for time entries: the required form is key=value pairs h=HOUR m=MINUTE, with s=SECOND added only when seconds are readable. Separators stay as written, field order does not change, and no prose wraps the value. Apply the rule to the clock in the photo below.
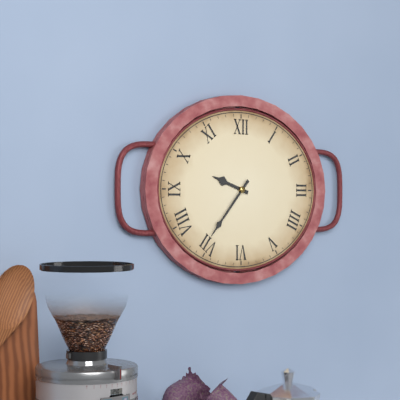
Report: h=9 m=37
